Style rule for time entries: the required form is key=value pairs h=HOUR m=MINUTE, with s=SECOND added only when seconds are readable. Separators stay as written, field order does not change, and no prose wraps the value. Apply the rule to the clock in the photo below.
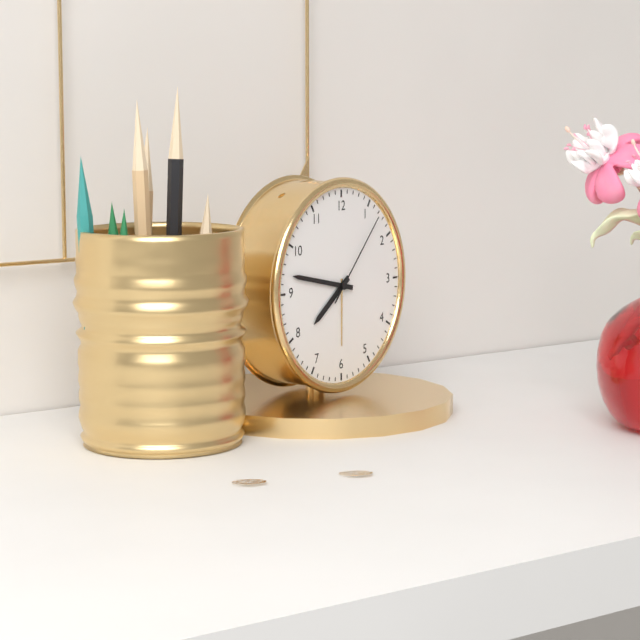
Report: h=7 m=47 s=7
